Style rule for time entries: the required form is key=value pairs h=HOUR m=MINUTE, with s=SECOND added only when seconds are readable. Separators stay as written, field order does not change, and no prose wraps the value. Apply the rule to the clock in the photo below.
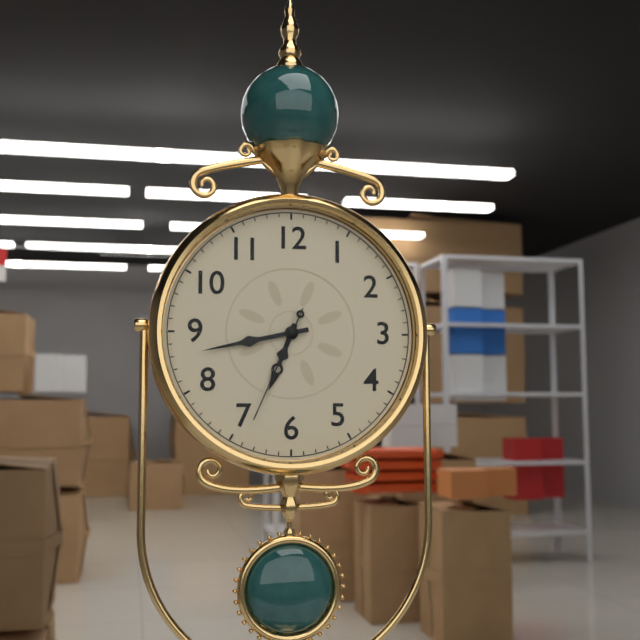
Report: h=6 m=43 s=34
